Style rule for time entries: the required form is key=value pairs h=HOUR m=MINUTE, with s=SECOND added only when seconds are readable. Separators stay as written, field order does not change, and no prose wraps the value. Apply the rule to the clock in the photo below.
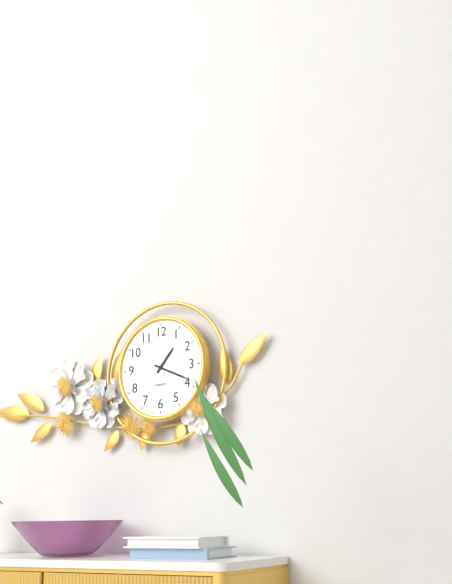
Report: h=1 m=19
